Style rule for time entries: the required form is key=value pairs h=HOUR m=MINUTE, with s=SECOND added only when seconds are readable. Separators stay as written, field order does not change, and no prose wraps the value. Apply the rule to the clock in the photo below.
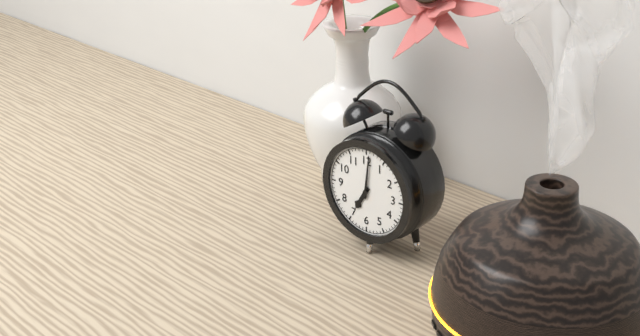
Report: h=7 m=1
